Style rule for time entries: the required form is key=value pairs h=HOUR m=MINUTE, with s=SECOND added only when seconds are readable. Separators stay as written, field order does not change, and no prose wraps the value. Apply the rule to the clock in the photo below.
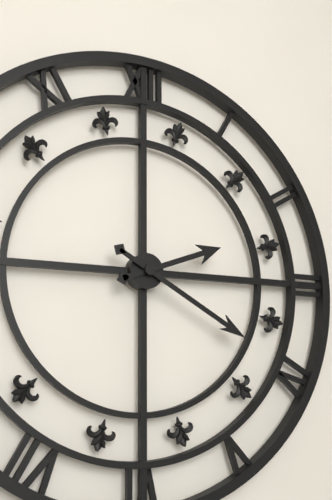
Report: h=2 m=20
